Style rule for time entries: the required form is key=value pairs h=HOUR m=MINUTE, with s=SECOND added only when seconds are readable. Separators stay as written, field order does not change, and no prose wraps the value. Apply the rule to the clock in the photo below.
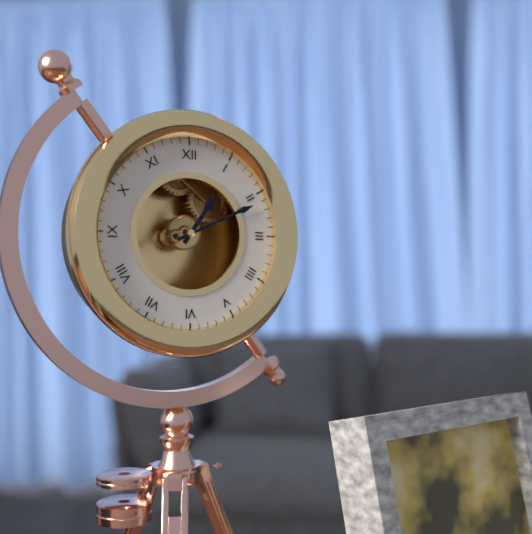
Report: h=1 m=11
